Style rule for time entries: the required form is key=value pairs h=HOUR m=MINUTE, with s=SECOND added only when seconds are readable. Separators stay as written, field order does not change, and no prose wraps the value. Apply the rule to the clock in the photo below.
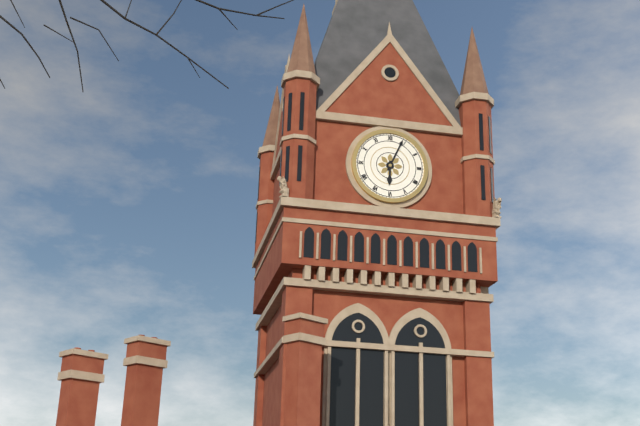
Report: h=6 m=4
